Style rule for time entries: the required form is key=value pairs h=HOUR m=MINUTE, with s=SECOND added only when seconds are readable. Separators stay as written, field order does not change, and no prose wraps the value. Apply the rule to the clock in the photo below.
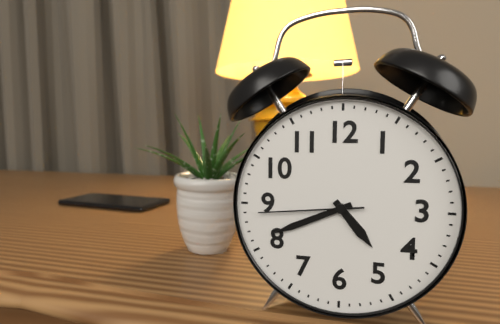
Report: h=4 m=41 s=44
